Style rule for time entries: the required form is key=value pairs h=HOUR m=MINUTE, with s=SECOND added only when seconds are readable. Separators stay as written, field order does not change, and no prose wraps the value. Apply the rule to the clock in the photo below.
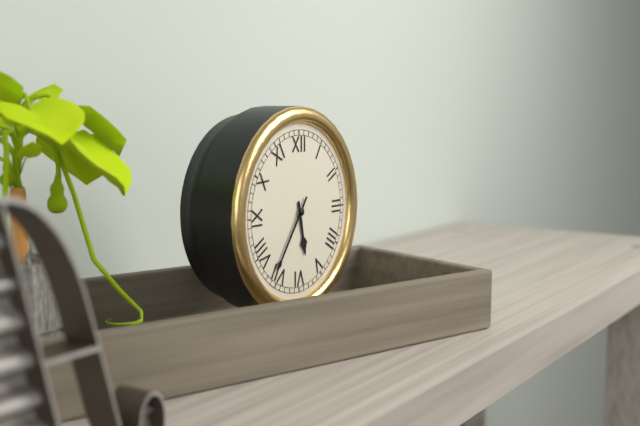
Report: h=5 m=36
